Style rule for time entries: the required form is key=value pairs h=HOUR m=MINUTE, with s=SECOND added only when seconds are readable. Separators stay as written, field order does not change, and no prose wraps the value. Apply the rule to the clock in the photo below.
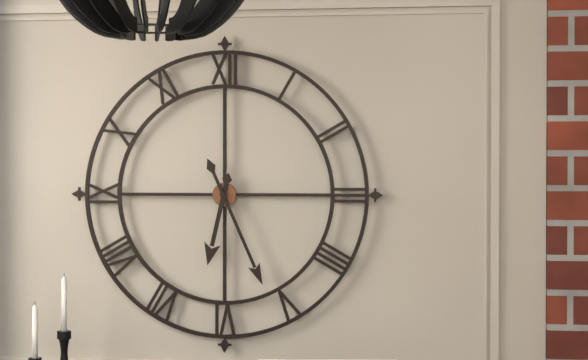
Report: h=6 m=26
